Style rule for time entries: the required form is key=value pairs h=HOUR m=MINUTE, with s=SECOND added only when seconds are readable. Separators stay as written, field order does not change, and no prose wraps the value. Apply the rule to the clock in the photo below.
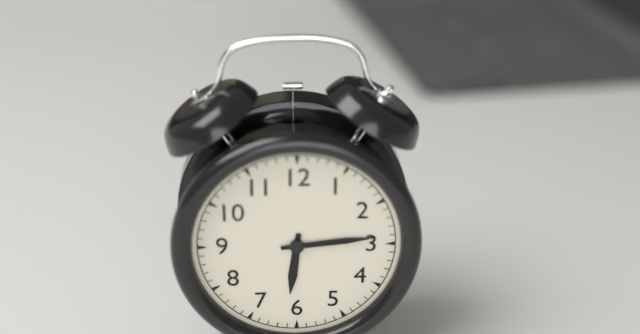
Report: h=6 m=14
